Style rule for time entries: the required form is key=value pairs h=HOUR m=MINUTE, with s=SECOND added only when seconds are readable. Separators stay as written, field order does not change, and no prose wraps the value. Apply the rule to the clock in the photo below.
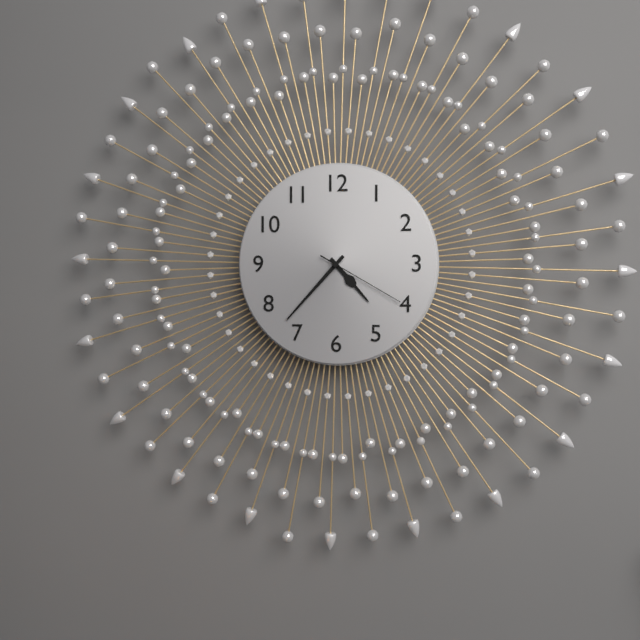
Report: h=4 m=37 s=20
